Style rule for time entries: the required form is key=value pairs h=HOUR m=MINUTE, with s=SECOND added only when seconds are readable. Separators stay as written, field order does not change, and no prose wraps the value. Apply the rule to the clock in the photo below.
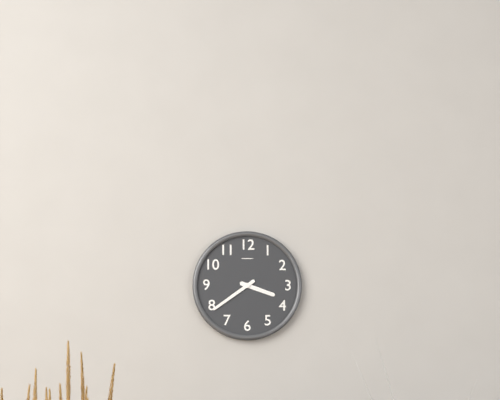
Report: h=3 m=39
